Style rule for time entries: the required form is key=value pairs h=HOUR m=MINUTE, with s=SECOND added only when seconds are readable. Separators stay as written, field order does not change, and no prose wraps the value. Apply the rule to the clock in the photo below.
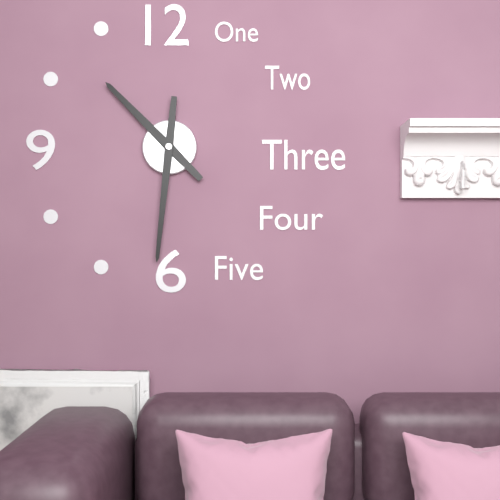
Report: h=10 m=31
